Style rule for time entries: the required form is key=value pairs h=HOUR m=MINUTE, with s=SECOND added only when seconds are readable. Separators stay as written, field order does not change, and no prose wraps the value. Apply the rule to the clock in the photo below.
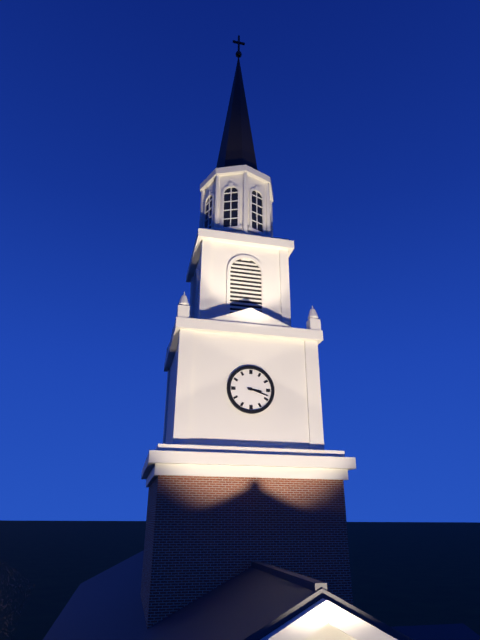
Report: h=3 m=18
